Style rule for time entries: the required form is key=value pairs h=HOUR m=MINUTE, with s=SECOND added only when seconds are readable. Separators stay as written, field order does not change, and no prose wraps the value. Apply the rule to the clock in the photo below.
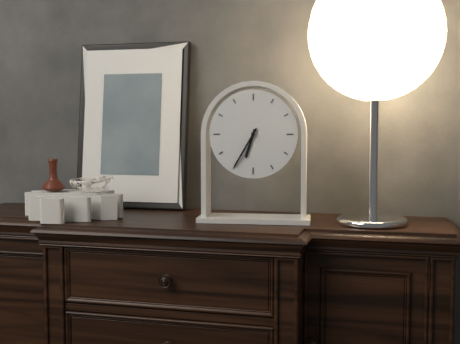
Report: h=6 m=35
